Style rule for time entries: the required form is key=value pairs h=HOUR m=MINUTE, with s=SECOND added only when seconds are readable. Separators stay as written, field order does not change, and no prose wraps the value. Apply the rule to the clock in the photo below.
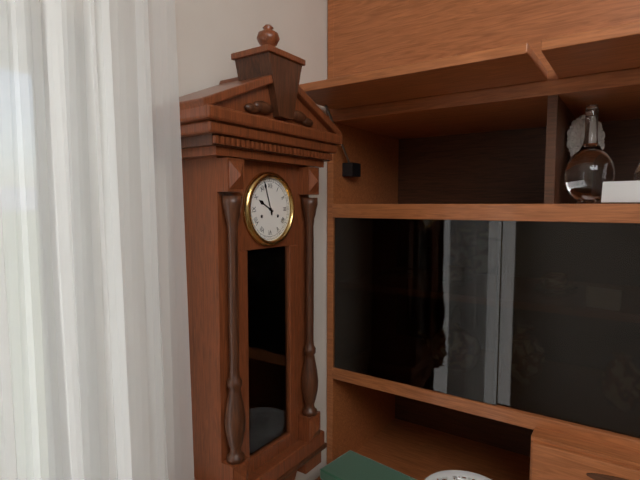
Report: h=9 m=57
